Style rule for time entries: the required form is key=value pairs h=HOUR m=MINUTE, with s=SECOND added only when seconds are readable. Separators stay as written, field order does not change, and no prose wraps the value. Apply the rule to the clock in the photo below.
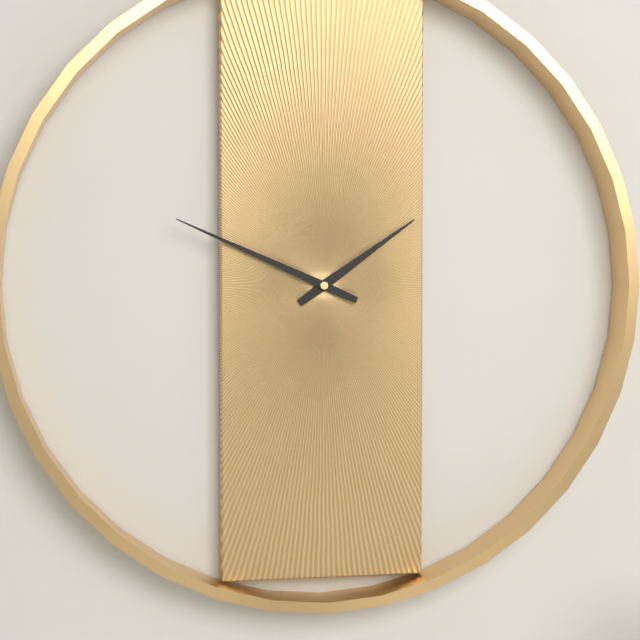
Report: h=1 m=49
